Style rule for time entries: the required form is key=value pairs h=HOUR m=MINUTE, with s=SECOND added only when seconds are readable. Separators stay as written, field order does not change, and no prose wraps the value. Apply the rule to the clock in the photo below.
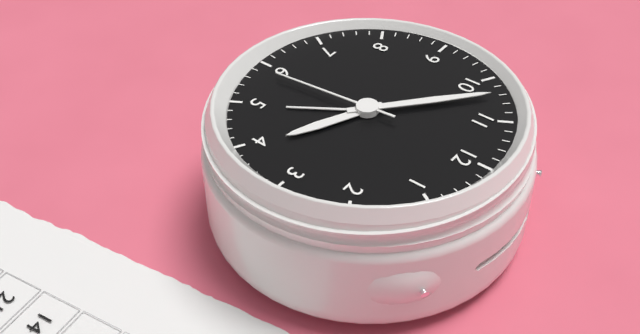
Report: h=3 m=52 s=29
